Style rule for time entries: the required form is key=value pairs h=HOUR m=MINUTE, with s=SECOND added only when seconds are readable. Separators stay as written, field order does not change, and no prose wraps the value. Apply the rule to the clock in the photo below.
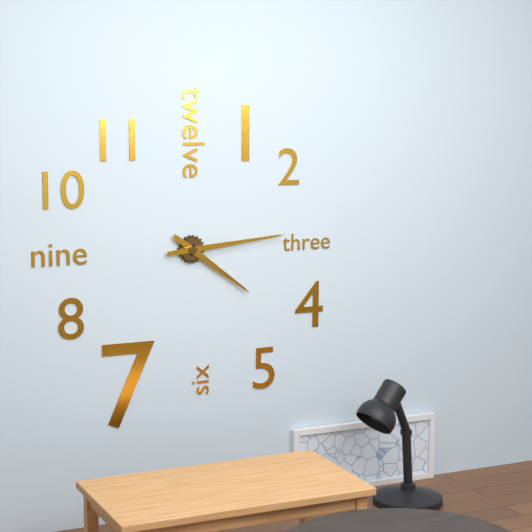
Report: h=4 m=14
